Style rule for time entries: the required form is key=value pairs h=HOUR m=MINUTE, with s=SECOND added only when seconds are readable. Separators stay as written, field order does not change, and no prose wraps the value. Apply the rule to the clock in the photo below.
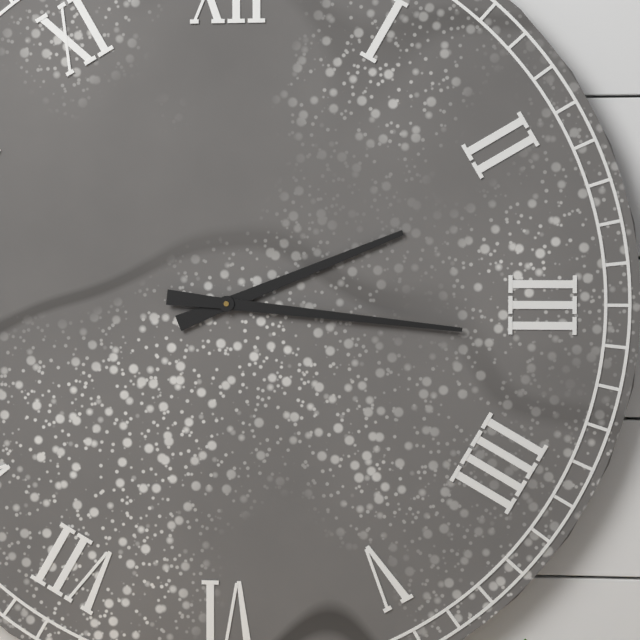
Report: h=2 m=16
